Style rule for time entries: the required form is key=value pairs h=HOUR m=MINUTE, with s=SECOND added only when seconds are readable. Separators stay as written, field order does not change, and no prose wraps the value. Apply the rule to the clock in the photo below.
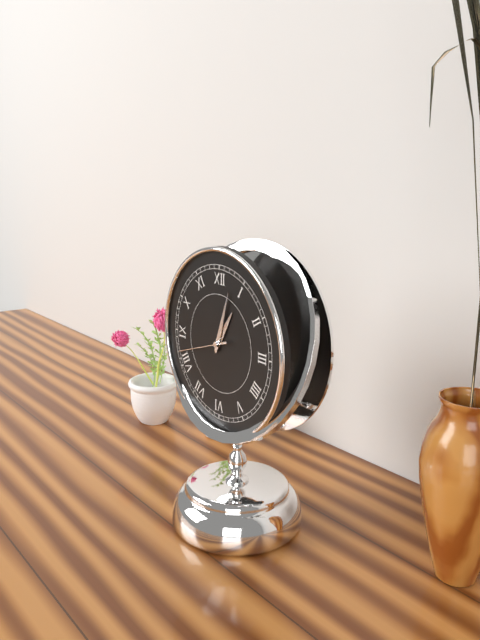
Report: h=1 m=3 s=42
